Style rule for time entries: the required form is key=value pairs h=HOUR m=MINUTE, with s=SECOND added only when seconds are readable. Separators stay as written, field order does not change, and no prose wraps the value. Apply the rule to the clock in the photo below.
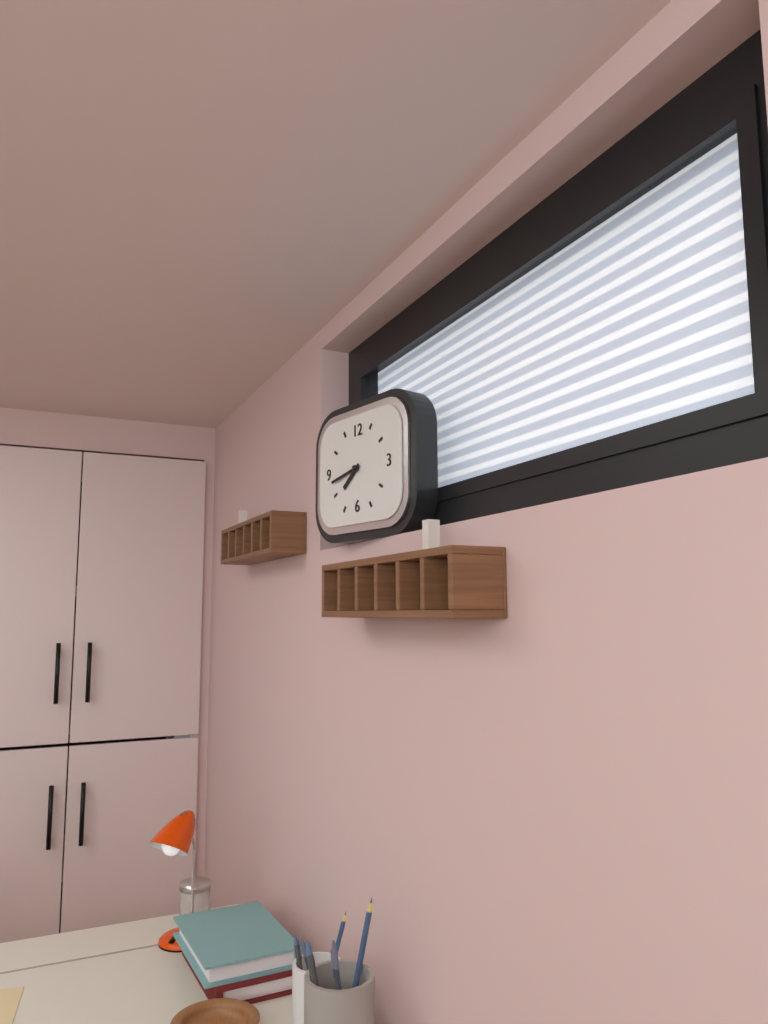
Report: h=7 m=43
